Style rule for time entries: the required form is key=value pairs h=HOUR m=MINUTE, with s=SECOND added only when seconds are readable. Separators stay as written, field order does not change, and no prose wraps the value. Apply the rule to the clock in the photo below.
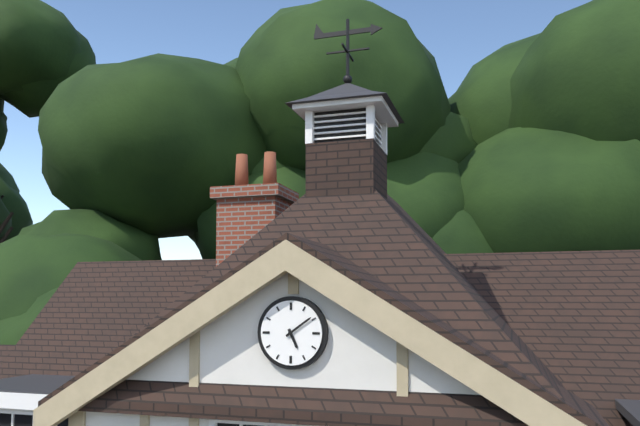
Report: h=5 m=9
